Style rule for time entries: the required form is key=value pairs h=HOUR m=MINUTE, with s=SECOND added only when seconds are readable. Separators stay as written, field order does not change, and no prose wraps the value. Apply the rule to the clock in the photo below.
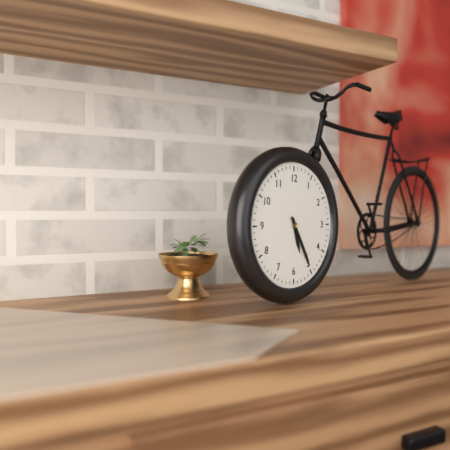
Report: h=5 m=25
